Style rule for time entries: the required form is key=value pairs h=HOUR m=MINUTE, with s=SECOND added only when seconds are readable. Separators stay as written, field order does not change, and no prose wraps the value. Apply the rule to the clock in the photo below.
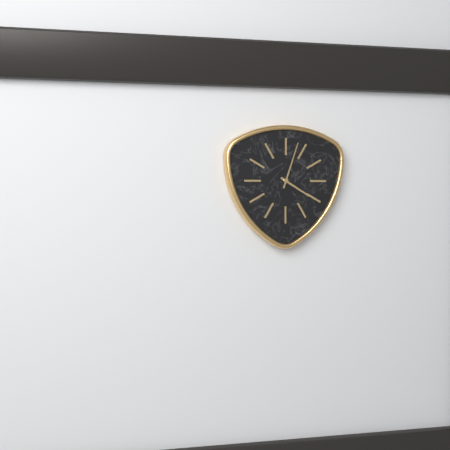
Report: h=4 m=3
